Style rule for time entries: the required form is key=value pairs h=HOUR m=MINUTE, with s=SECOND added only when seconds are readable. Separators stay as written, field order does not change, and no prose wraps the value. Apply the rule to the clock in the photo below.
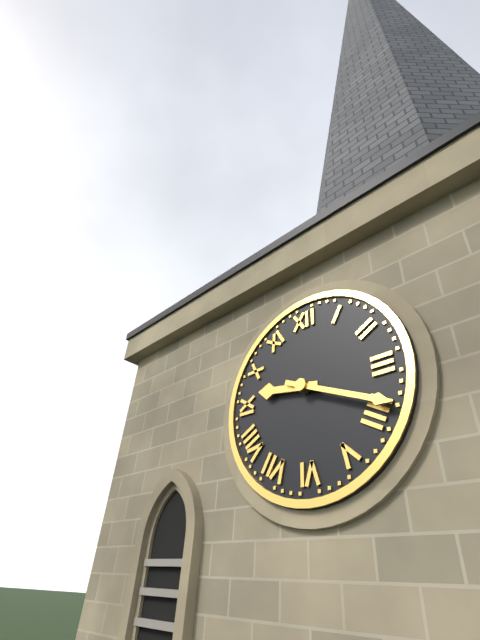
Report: h=9 m=19
